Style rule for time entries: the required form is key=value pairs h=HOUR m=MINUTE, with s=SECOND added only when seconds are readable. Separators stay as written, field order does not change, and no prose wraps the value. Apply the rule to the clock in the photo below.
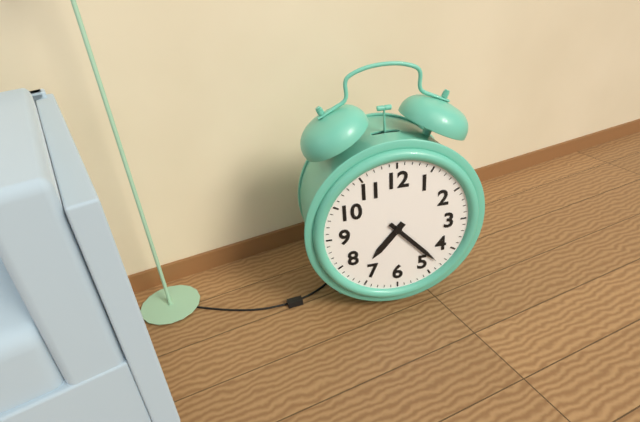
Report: h=7 m=23
